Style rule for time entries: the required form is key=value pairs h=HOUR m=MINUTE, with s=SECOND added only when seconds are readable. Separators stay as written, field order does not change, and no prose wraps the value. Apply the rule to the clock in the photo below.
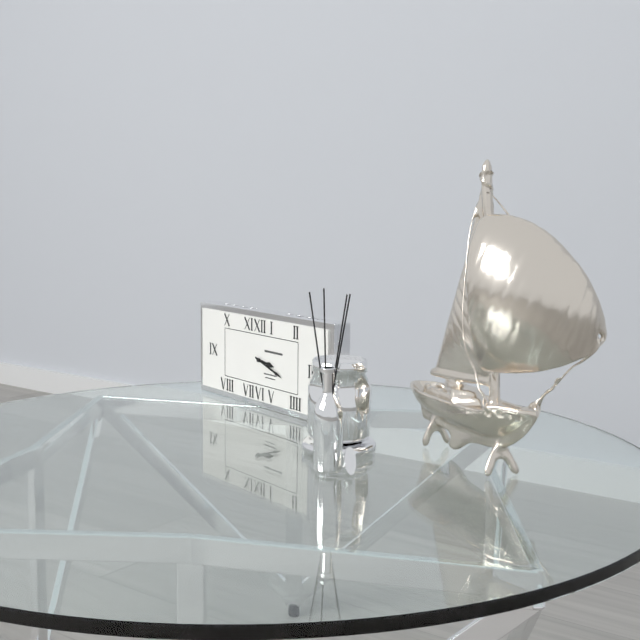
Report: h=3 m=18
